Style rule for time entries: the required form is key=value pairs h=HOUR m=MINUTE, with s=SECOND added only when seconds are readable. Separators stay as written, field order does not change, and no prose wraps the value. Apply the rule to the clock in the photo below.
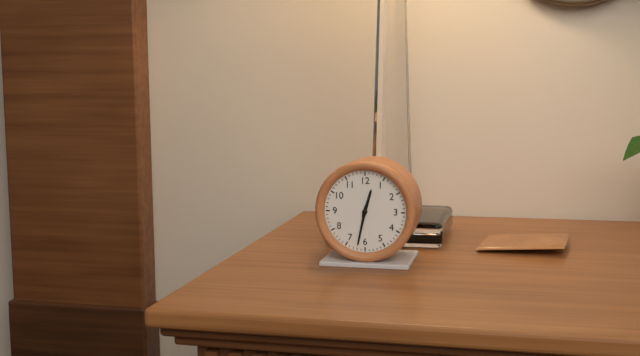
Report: h=12 m=32
